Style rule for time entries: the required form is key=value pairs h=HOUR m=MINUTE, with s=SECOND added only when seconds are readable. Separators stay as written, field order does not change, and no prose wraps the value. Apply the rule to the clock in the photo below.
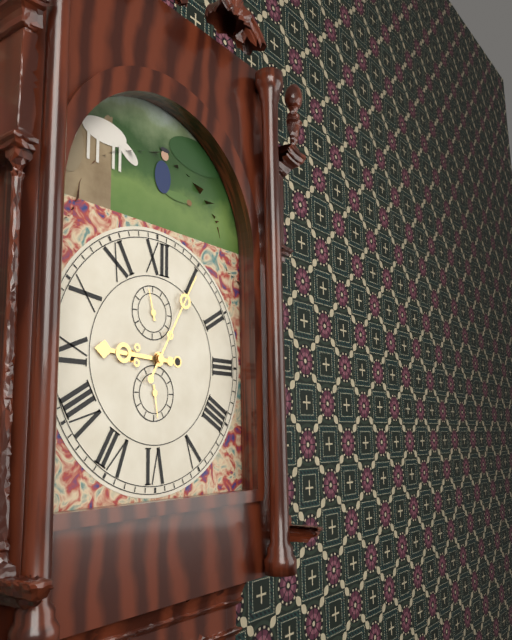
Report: h=9 m=5
